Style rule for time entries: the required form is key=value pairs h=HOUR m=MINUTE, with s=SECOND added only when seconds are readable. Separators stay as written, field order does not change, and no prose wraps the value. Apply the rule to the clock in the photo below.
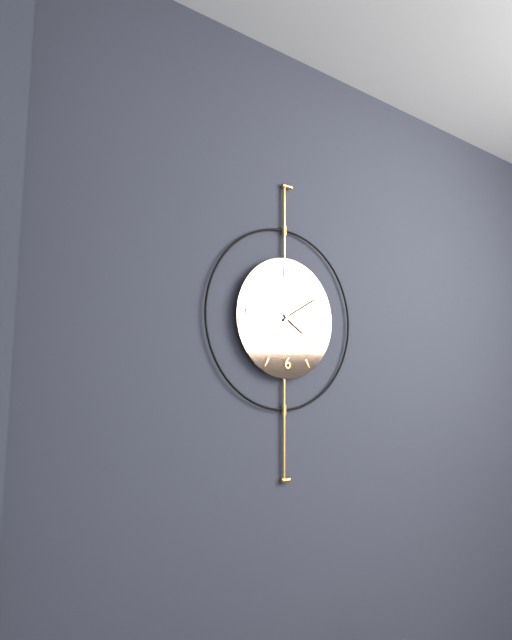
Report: h=4 m=10 s=54
